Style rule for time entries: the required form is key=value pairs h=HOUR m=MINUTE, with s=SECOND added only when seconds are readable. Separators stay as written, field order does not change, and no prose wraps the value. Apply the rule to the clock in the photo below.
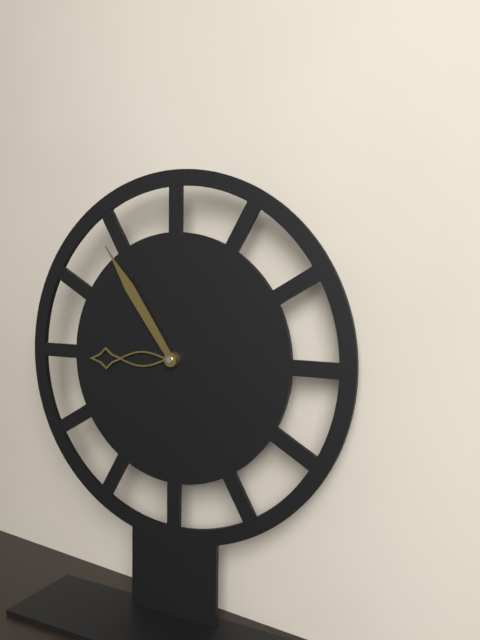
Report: h=8 m=54
